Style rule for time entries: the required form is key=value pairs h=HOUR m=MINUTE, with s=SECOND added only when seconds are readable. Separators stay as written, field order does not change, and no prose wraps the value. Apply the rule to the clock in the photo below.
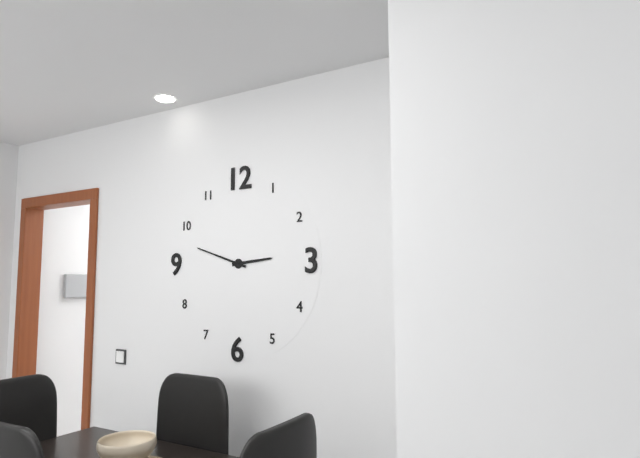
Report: h=2 m=48
